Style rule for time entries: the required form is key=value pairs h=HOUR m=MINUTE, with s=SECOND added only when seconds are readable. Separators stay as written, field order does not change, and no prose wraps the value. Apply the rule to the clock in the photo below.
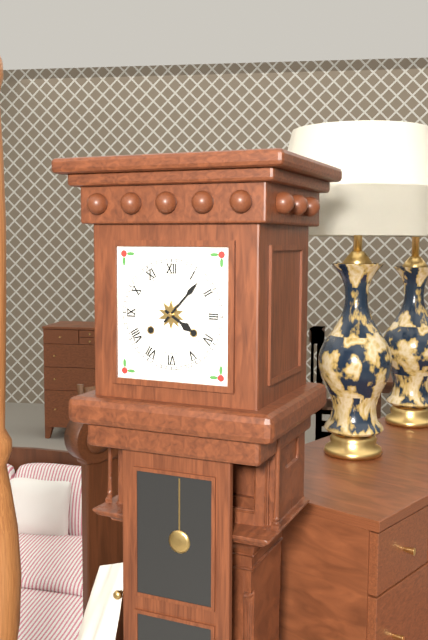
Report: h=4 m=7
